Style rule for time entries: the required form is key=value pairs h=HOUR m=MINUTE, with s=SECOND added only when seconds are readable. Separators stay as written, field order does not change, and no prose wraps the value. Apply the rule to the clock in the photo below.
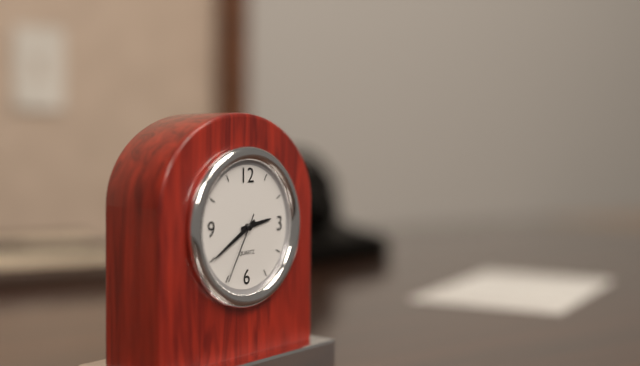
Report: h=2 m=40 s=35
